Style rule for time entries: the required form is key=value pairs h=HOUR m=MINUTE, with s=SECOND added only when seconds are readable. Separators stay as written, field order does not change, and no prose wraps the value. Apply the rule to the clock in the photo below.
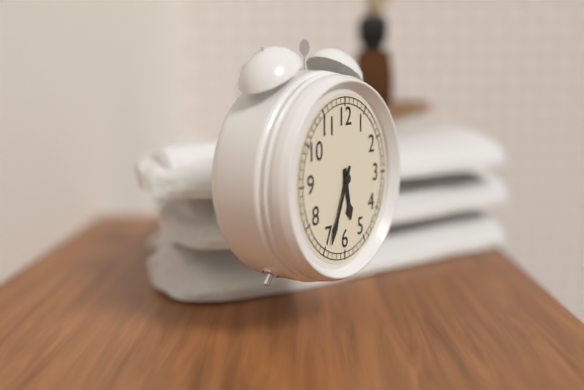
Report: h=5 m=34
